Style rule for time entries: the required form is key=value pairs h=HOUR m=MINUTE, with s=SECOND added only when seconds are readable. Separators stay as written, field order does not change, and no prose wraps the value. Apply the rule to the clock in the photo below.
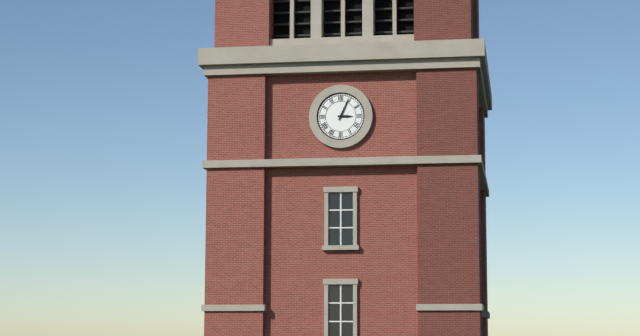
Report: h=3 m=4
